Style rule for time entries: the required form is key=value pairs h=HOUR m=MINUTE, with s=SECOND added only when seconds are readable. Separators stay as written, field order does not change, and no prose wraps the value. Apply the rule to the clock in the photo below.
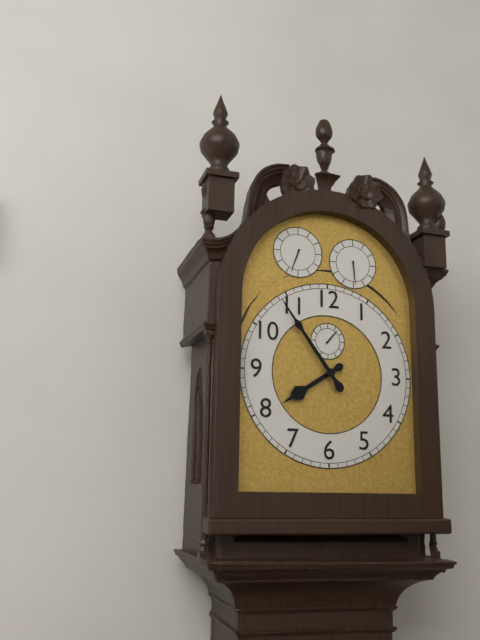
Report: h=7 m=54
